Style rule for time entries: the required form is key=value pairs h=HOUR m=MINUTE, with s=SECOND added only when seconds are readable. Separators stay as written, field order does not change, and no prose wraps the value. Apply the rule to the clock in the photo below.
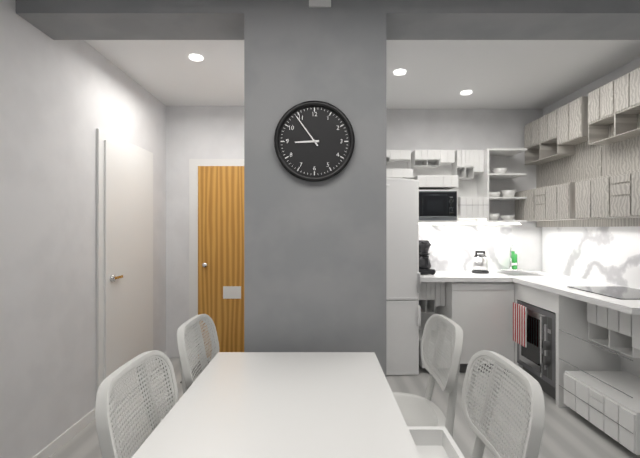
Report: h=8 m=54
